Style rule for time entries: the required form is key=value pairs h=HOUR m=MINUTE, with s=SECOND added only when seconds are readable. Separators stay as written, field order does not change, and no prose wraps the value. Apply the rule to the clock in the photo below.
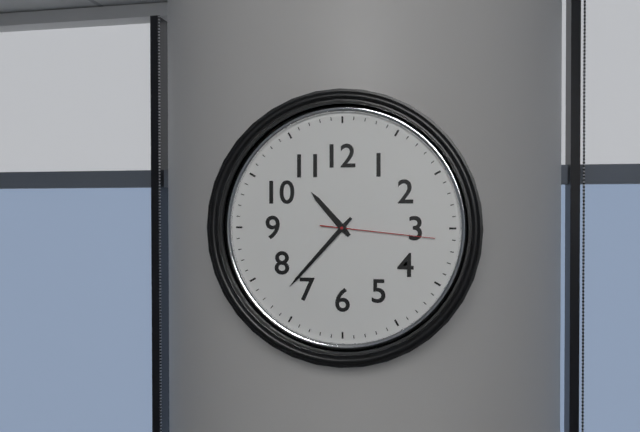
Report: h=10 m=37 s=16
